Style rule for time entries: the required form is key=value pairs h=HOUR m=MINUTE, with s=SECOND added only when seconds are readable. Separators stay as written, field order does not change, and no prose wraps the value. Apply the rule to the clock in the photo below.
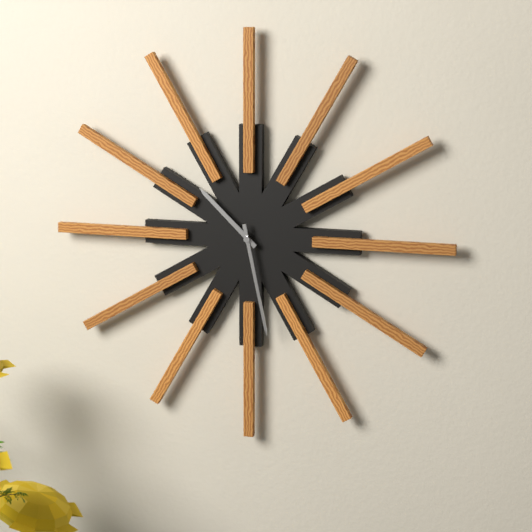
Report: h=10 m=28
